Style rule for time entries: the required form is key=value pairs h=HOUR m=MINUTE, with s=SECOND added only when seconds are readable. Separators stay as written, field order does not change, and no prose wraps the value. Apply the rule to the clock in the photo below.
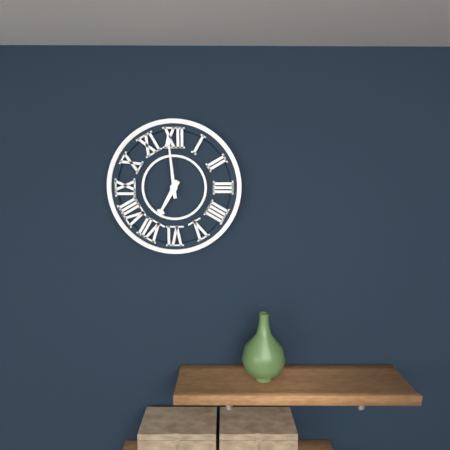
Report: h=6 m=59
